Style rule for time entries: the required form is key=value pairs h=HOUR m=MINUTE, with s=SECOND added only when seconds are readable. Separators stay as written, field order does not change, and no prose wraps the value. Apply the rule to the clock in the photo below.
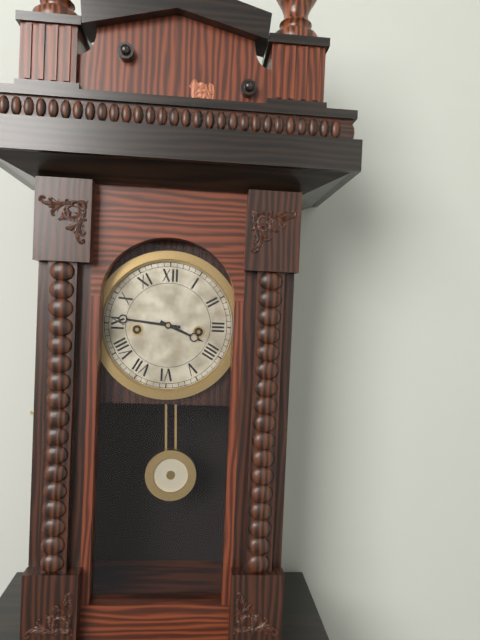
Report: h=3 m=46
